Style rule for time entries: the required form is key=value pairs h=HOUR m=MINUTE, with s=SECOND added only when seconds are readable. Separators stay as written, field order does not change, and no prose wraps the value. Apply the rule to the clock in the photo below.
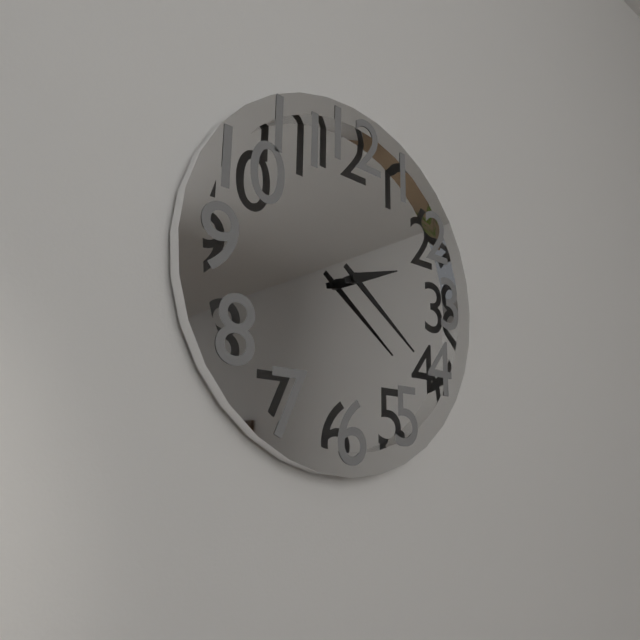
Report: h=2 m=21
